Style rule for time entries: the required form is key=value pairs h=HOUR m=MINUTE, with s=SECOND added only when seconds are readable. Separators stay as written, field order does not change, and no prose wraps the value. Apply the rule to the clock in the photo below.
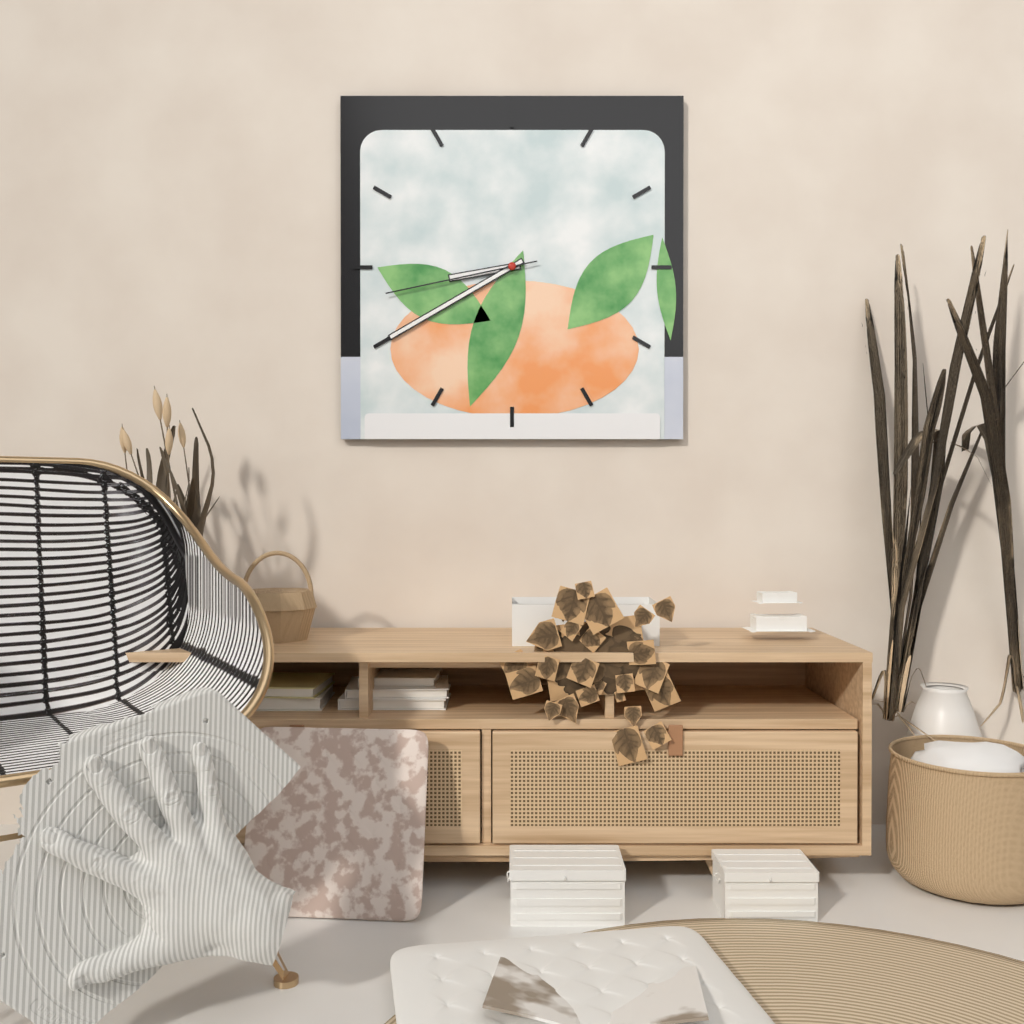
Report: h=8 m=40 s=43
